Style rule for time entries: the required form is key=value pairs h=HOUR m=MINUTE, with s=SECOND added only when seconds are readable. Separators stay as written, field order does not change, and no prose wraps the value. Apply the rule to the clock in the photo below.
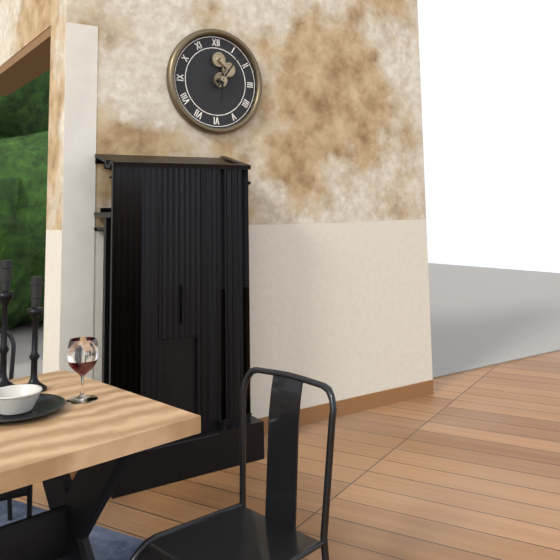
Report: h=6 m=6
